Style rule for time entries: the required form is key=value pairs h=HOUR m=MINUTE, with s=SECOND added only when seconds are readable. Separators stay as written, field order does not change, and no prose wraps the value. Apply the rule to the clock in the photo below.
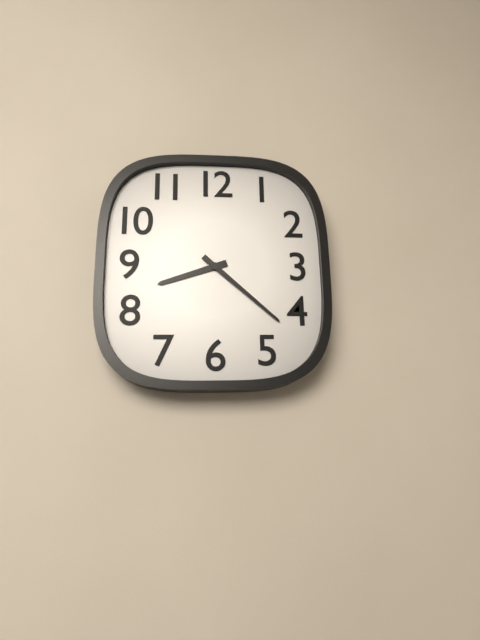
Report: h=8 m=22
